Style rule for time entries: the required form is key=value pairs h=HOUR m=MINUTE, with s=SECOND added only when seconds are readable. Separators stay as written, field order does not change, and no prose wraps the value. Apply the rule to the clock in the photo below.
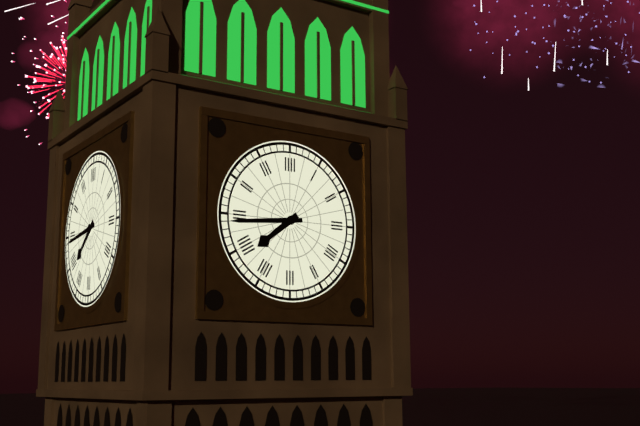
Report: h=7 m=44
